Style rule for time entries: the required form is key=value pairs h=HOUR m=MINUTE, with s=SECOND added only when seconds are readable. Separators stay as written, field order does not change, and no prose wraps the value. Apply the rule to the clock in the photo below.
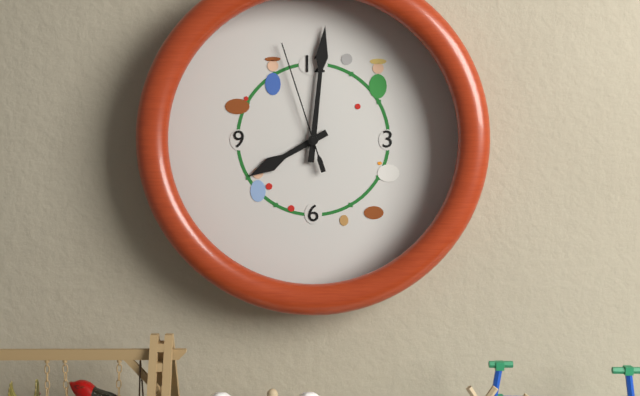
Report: h=8 m=1 s=57
